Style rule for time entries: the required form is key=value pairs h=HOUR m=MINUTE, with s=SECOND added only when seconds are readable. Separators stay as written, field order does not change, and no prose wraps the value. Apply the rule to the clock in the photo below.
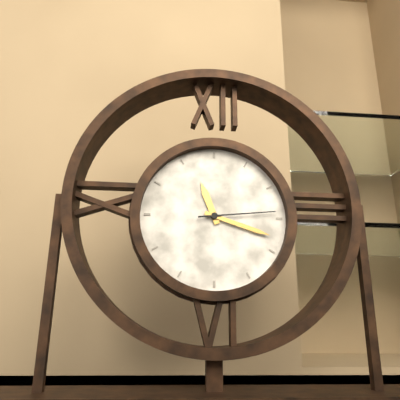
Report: h=11 m=18 s=14
